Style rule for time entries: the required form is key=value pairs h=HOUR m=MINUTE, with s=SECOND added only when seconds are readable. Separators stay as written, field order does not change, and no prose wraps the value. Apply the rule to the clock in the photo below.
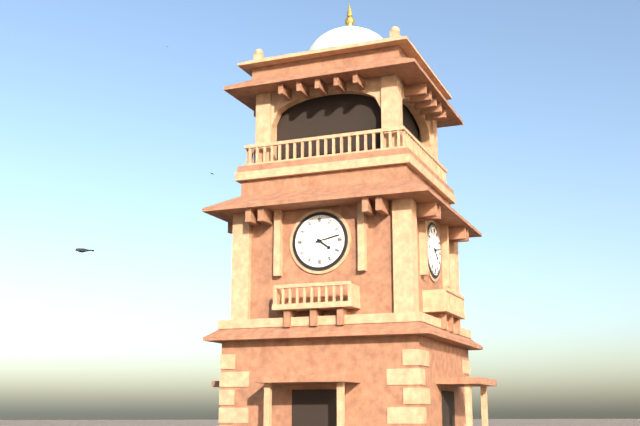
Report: h=4 m=13
